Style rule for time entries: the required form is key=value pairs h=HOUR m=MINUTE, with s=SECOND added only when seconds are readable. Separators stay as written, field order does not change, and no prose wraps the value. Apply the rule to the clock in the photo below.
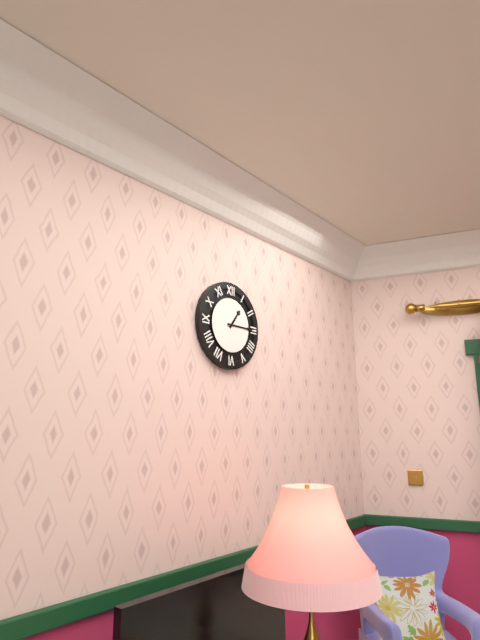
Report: h=1 m=15
